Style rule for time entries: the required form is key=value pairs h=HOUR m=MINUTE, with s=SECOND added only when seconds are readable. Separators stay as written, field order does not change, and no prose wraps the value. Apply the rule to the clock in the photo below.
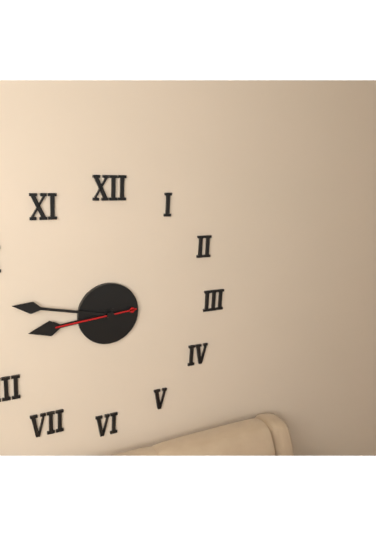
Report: h=8 m=47 s=44
